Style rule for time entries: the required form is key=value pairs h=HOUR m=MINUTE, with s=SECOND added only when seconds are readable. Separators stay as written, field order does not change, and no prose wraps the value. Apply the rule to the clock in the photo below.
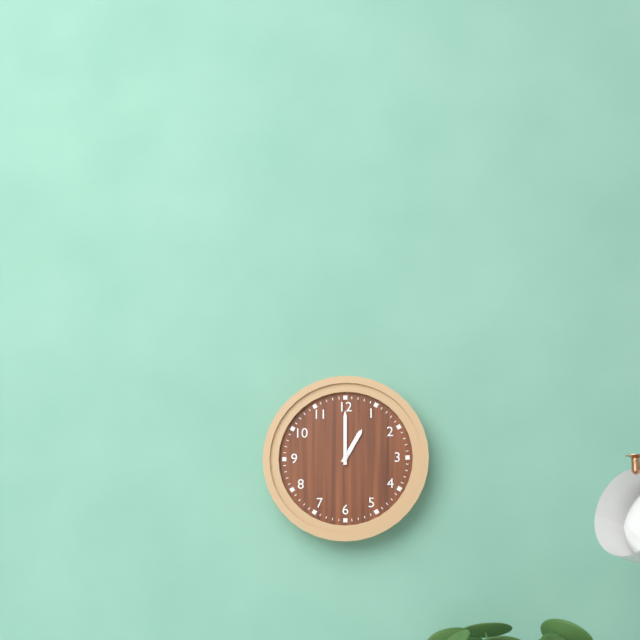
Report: h=1 m=0
